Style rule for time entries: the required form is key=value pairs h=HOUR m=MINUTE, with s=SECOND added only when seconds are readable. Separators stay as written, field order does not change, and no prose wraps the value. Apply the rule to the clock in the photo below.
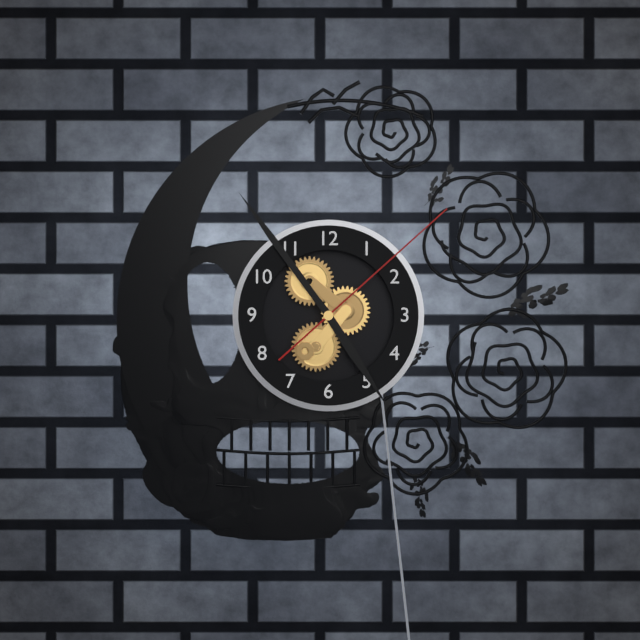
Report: h=4 m=54 s=8
